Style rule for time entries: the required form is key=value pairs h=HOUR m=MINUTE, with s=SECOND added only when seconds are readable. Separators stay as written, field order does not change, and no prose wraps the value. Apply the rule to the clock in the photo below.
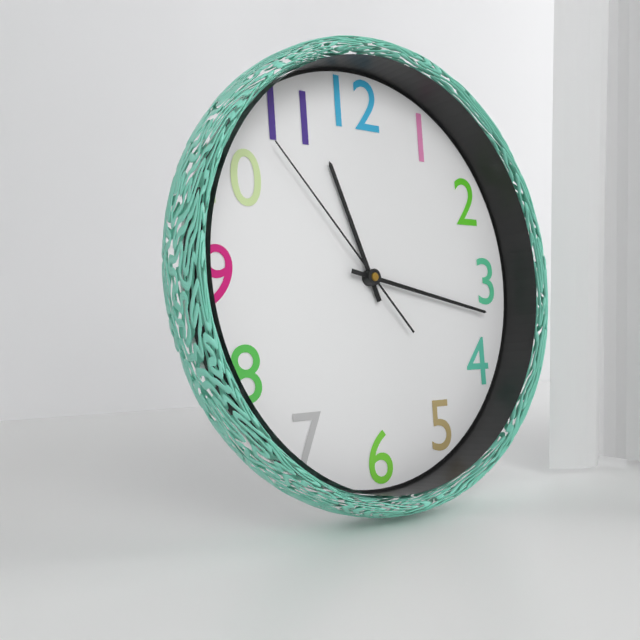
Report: h=11 m=17 s=53
